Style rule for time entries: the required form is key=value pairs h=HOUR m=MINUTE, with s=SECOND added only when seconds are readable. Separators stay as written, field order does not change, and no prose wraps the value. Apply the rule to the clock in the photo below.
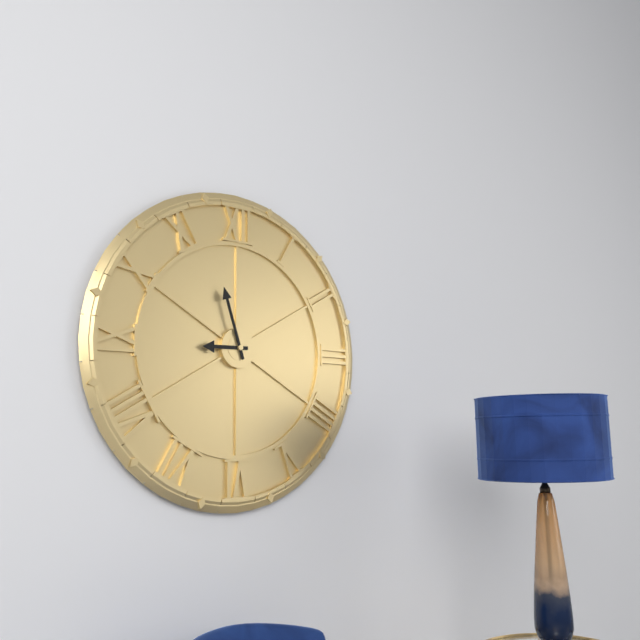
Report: h=8 m=57
